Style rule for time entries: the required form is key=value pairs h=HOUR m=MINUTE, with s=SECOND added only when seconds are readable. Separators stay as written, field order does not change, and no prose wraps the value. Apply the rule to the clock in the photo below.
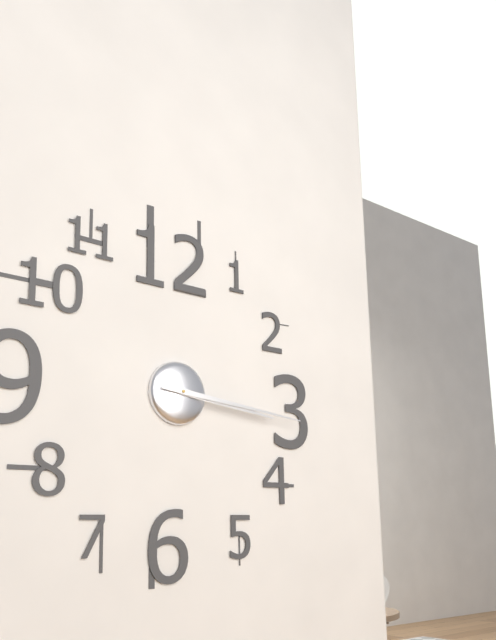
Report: h=3 m=16
